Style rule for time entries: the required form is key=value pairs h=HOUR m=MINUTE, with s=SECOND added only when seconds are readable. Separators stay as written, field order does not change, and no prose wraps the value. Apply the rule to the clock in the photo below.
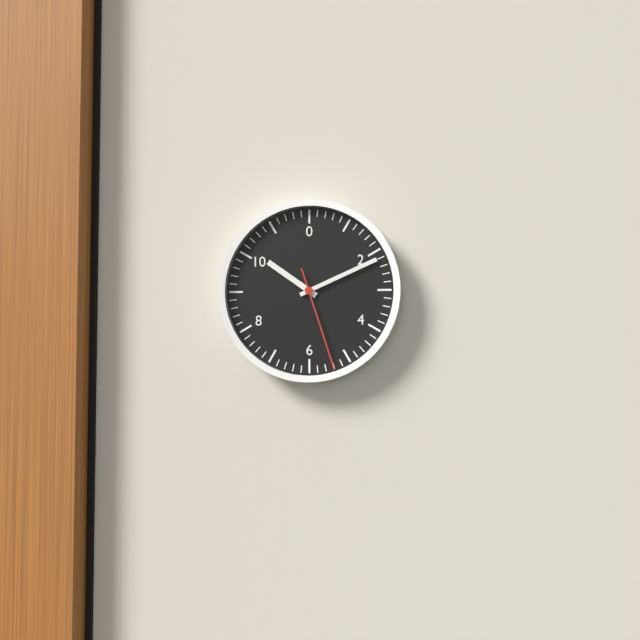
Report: h=10 m=11 s=27
